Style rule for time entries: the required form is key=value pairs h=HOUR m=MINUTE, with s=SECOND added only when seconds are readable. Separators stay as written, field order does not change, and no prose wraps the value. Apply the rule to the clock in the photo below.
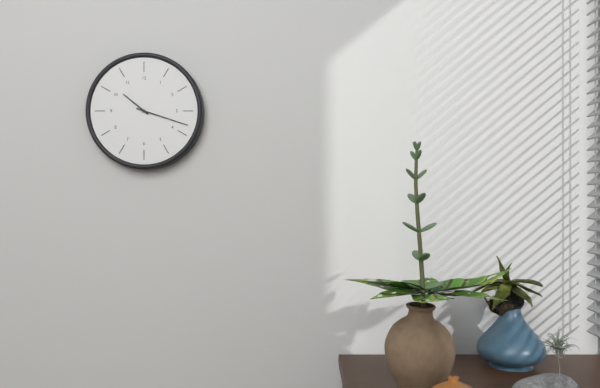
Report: h=10 m=18
